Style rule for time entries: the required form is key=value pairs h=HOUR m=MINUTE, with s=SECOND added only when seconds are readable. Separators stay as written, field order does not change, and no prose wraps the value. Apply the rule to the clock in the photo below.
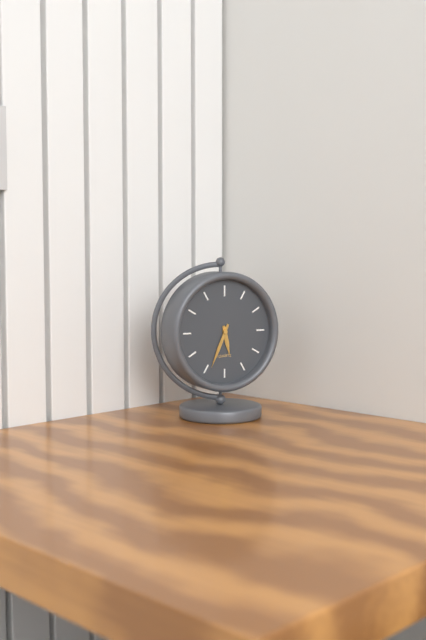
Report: h=5 m=34
